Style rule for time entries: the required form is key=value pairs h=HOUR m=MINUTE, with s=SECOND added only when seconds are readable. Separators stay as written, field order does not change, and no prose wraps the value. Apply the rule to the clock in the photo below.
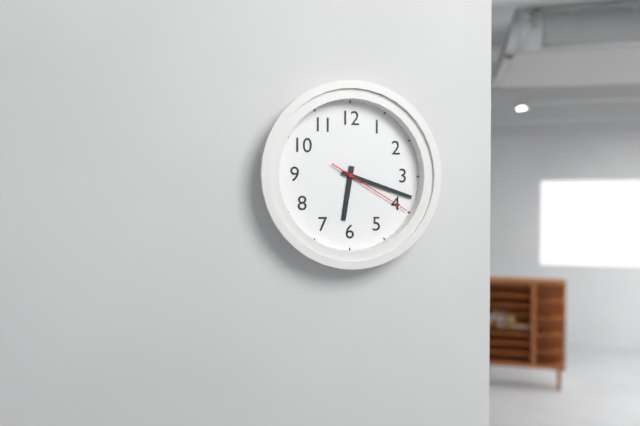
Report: h=6 m=18 s=20
